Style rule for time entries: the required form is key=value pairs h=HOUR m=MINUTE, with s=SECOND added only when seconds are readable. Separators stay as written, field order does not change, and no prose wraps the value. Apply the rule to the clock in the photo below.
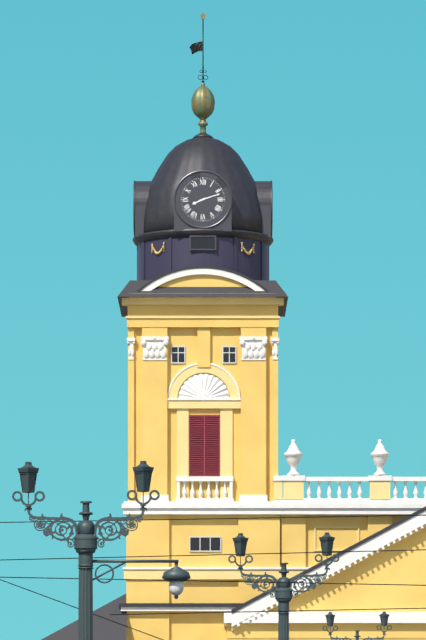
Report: h=8 m=12
